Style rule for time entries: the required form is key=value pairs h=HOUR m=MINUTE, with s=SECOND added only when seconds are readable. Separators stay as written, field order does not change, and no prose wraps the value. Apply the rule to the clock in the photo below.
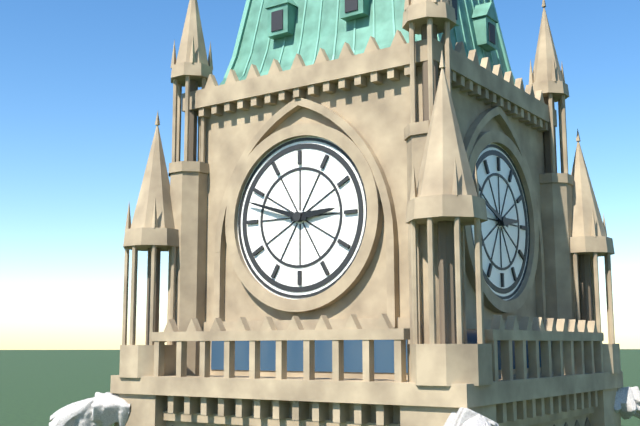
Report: h=2 m=48
